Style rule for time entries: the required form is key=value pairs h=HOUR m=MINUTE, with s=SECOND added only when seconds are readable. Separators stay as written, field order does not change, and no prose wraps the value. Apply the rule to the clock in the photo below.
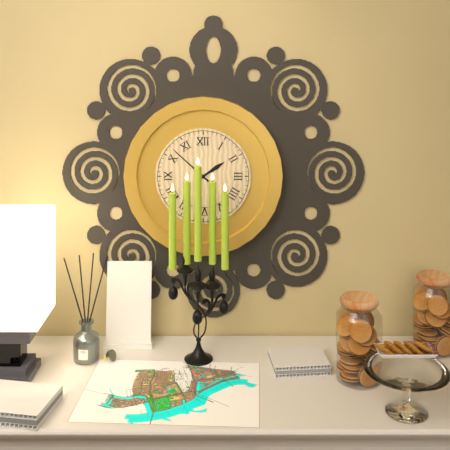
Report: h=1 m=52
